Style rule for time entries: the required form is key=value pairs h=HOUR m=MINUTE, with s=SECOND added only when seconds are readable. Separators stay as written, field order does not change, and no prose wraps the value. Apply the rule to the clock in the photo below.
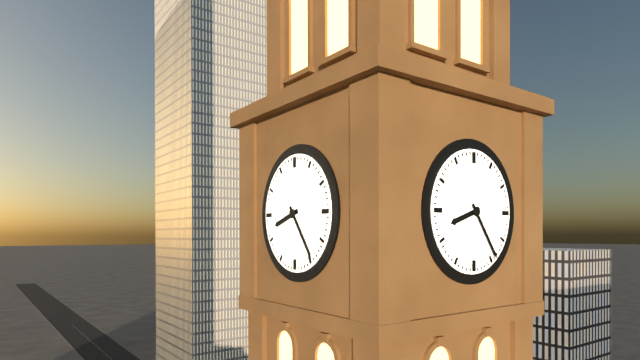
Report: h=8 m=24
